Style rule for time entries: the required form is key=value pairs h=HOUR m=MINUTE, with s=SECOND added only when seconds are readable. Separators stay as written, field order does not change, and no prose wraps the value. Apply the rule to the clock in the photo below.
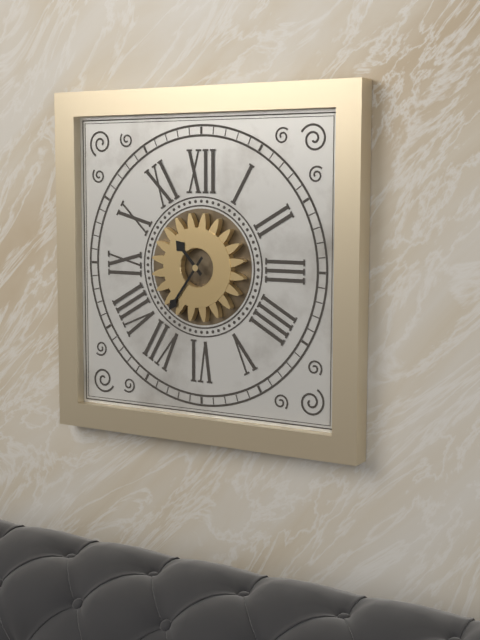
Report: h=10 m=36
